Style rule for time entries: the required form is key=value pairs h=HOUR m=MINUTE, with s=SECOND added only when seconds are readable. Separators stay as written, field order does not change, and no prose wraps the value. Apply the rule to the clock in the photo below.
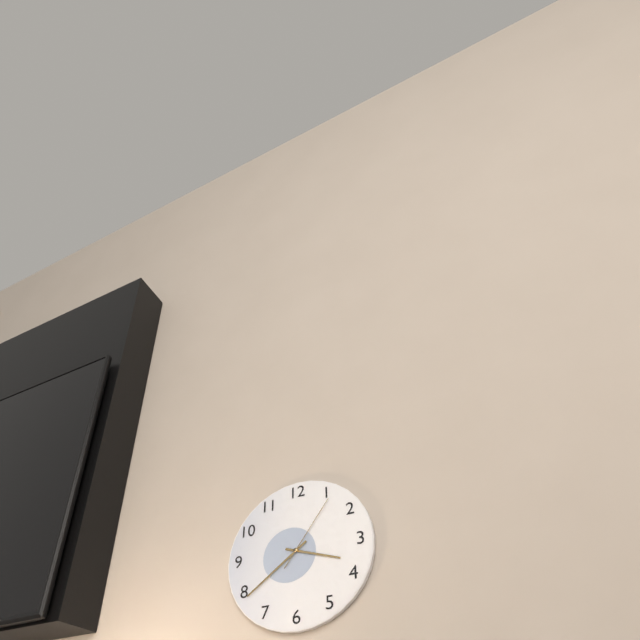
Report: h=3 m=39 s=6
